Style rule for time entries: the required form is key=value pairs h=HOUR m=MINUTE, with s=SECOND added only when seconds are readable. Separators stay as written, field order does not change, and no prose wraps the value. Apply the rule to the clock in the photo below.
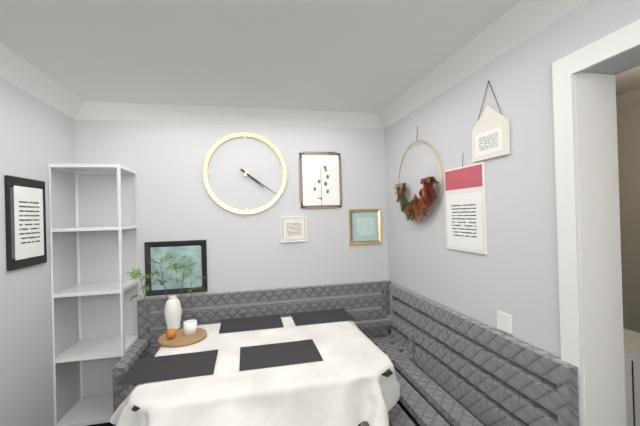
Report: h=4 m=21
